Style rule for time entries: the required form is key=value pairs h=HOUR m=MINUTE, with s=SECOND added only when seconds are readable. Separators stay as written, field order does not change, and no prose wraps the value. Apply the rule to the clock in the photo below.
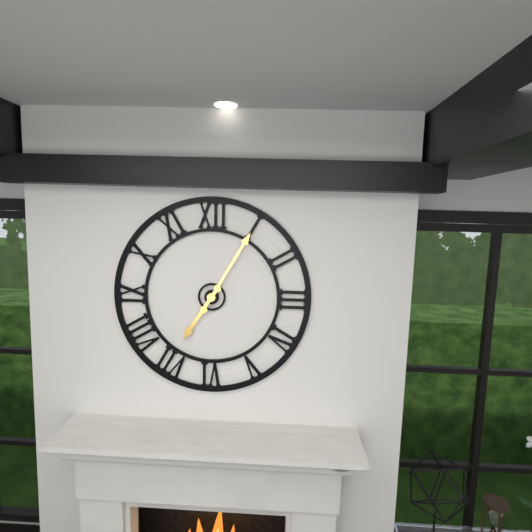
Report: h=7 m=5
